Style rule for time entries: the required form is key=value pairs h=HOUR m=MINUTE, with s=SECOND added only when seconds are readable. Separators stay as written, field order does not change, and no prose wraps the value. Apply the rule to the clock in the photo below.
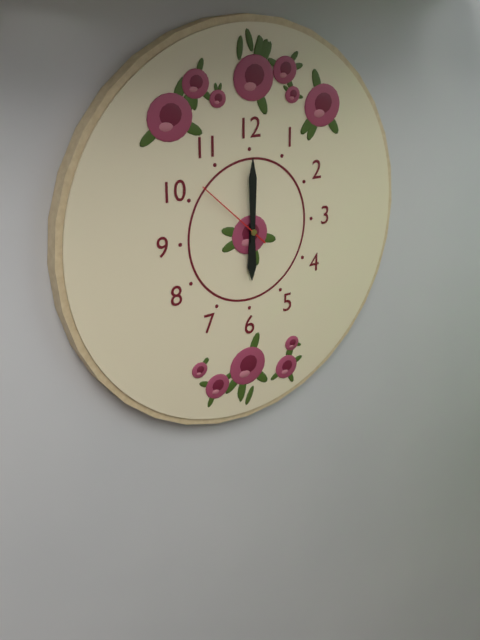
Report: h=6 m=0 s=52
